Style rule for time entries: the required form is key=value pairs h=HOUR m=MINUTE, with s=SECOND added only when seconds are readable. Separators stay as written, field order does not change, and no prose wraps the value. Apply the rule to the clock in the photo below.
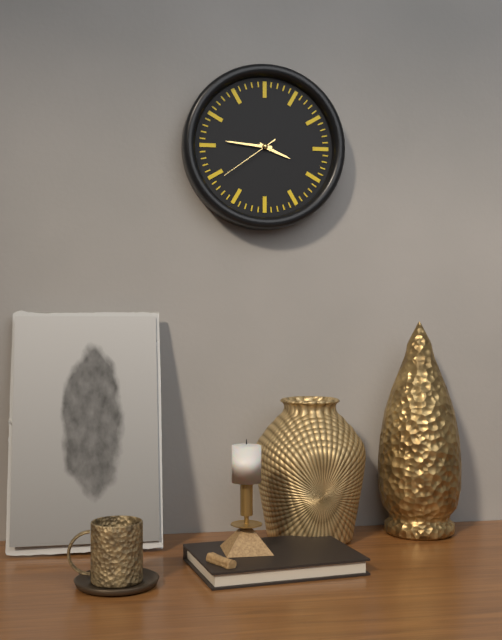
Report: h=3 m=46 s=39
